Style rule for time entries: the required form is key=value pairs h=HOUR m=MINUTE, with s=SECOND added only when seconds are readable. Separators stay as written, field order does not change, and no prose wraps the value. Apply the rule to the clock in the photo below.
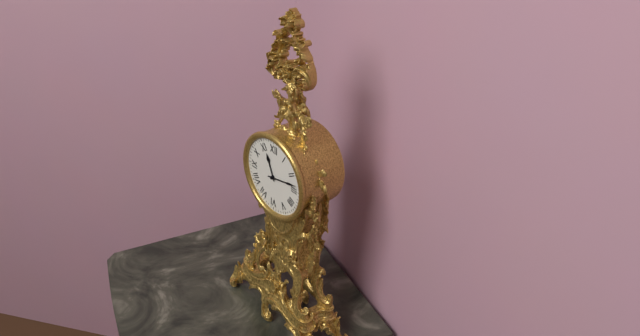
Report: h=11 m=13
